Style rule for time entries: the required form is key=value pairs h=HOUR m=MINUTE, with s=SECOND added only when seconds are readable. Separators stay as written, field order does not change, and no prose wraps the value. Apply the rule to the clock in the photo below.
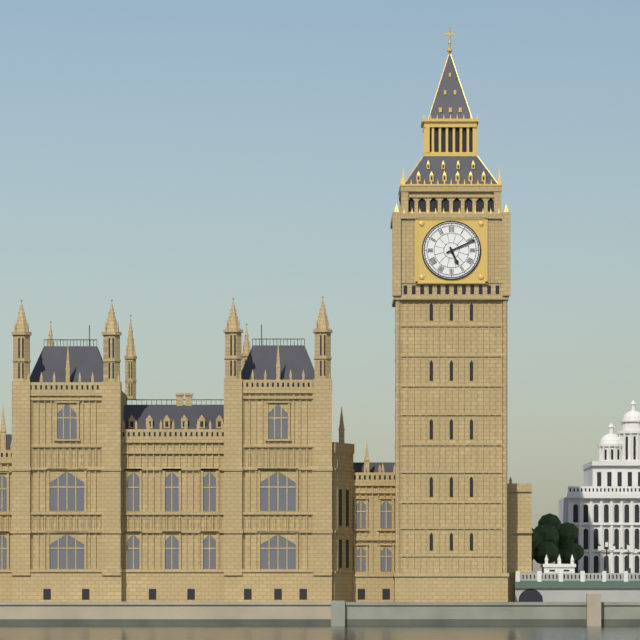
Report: h=5 m=11
